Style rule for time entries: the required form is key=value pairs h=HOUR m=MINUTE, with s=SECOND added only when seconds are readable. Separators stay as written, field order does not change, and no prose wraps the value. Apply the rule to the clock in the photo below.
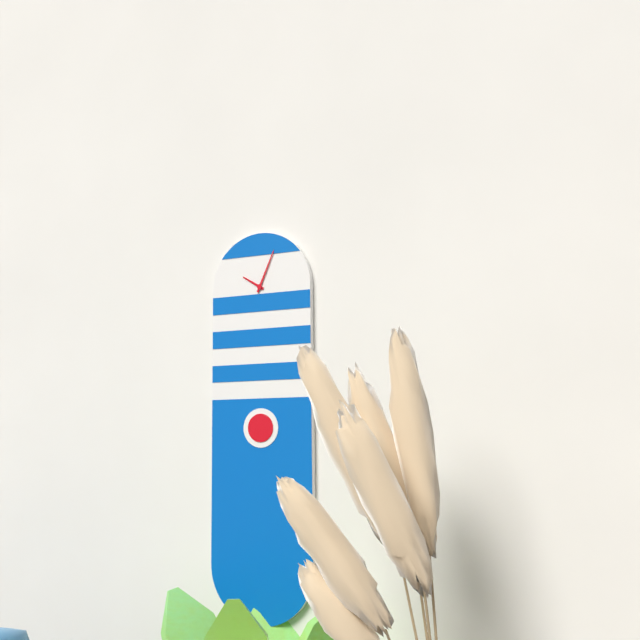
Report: h=10 m=4
